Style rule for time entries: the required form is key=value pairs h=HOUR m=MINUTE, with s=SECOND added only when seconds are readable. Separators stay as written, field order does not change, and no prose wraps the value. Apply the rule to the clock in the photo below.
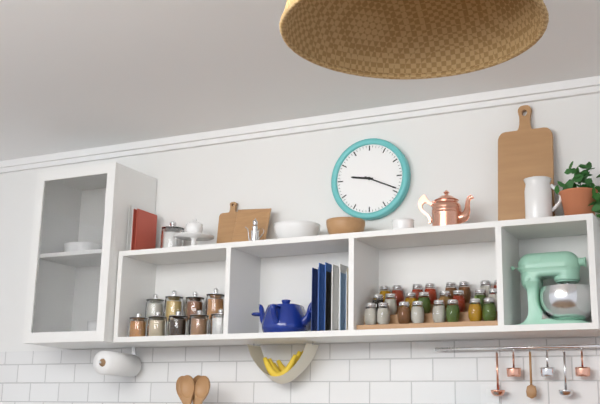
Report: h=9 m=19
